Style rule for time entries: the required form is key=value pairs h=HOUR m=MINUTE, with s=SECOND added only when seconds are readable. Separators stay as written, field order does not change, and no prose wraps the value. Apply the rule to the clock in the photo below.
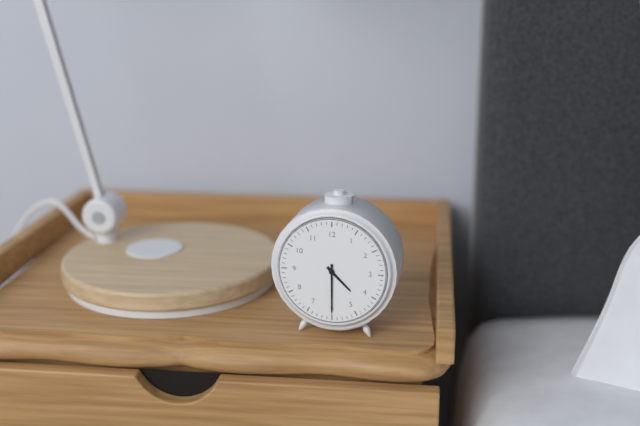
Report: h=4 m=30
